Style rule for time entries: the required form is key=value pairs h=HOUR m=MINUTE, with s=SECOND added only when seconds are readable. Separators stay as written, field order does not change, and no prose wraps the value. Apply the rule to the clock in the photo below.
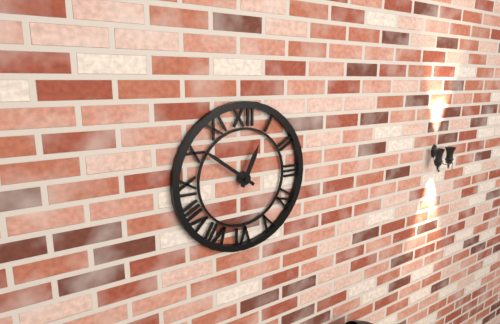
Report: h=12 m=51
